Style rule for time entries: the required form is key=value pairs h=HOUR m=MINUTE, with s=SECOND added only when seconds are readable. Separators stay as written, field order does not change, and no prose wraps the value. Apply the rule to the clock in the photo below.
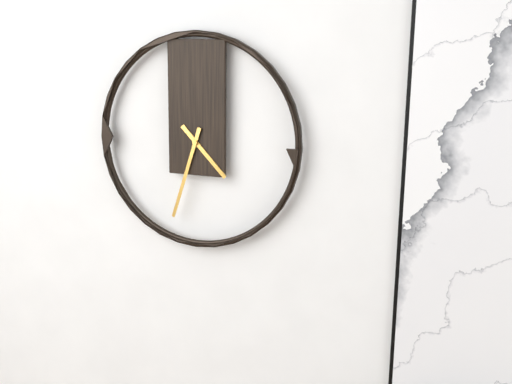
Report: h=4 m=33
